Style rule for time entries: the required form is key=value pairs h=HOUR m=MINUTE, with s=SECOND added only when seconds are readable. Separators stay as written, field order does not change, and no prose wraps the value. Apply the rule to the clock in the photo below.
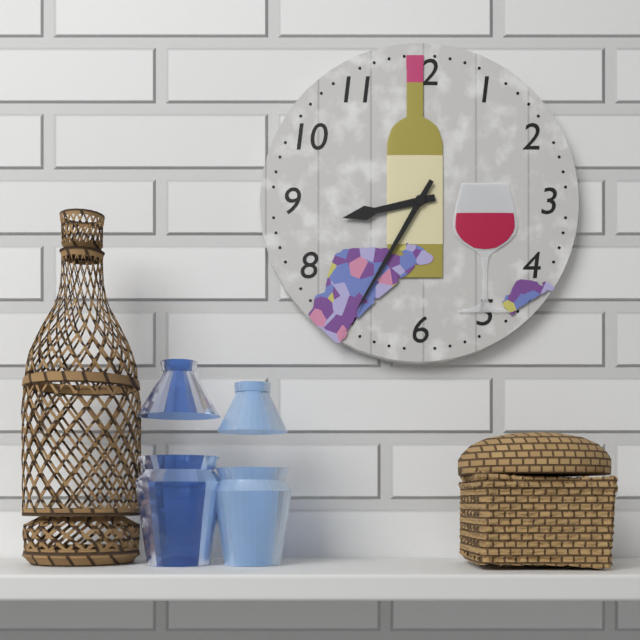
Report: h=8 m=35
